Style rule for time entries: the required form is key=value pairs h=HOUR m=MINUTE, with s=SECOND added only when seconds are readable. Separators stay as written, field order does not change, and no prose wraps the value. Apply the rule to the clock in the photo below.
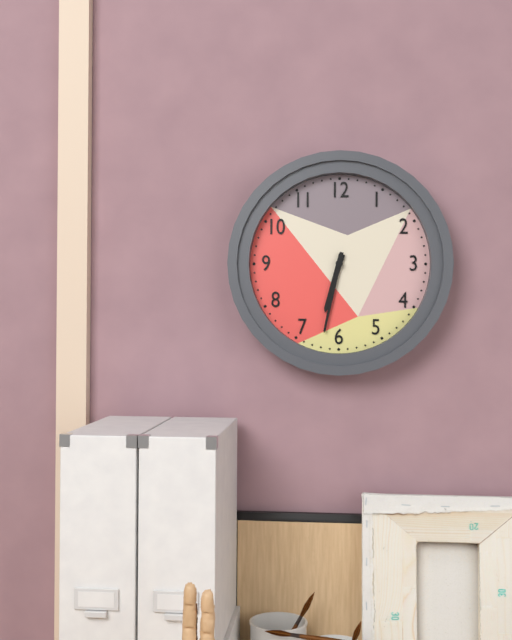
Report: h=6 m=32
